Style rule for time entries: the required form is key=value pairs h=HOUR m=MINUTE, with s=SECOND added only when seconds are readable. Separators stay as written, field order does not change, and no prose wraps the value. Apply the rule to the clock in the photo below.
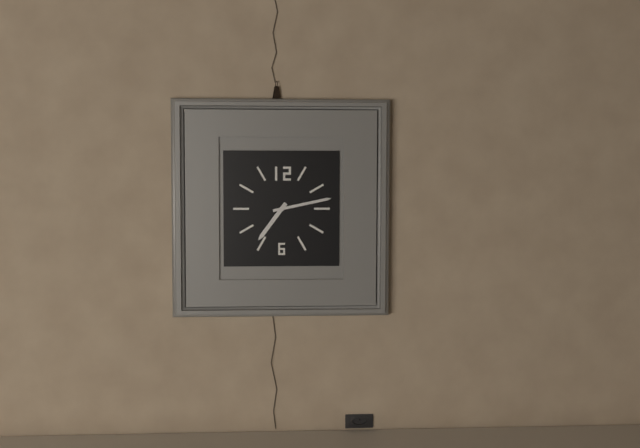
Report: h=7 m=13
